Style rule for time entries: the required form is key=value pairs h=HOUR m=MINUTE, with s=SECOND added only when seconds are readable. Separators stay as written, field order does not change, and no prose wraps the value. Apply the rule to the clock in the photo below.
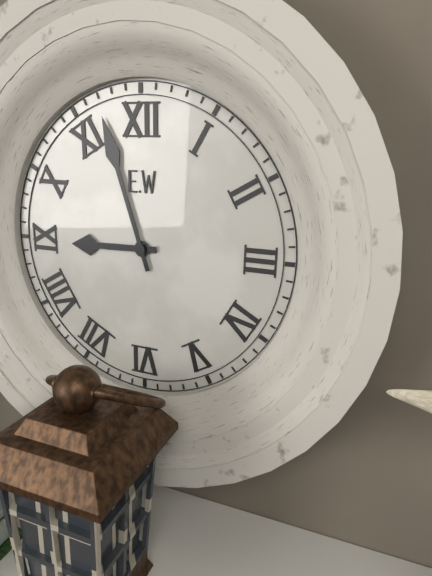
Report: h=8 m=57
